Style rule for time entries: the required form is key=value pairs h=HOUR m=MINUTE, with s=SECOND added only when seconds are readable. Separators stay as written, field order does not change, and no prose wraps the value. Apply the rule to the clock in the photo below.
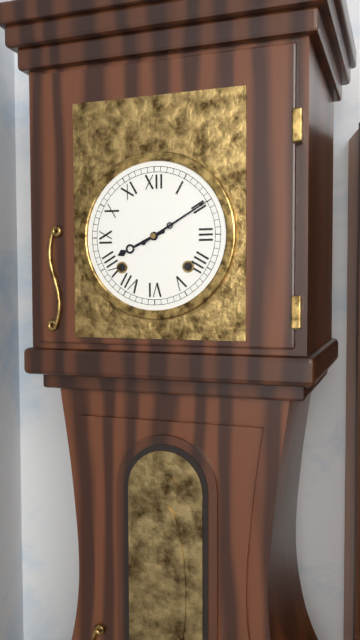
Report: h=8 m=10
